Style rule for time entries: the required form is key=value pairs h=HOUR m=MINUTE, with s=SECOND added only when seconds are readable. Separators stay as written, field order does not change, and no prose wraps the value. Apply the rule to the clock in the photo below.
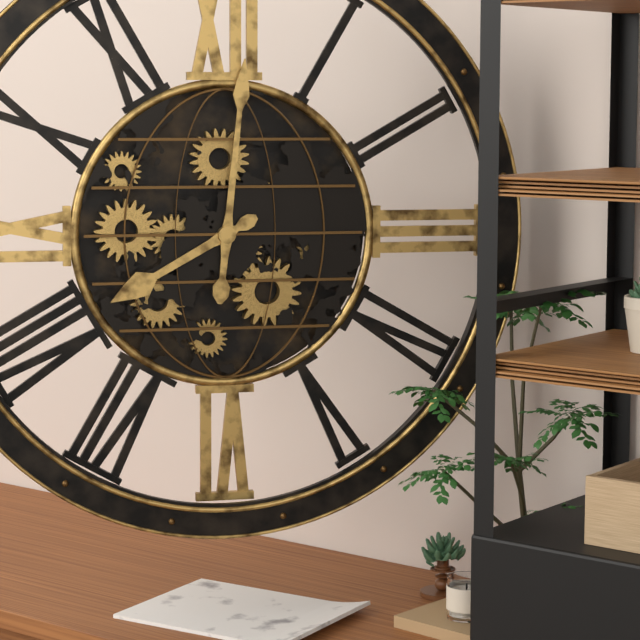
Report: h=8 m=1
